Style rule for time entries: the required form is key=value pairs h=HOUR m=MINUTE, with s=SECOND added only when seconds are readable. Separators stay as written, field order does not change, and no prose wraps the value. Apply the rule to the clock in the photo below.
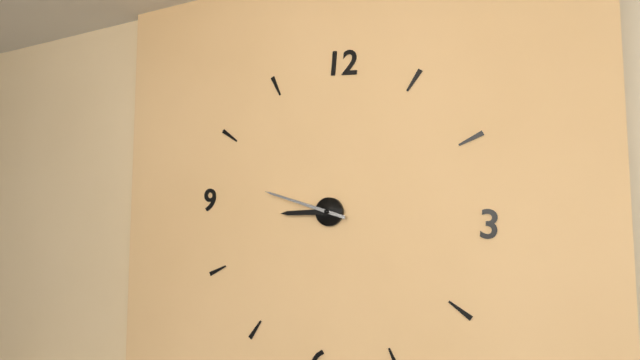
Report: h=8 m=47
